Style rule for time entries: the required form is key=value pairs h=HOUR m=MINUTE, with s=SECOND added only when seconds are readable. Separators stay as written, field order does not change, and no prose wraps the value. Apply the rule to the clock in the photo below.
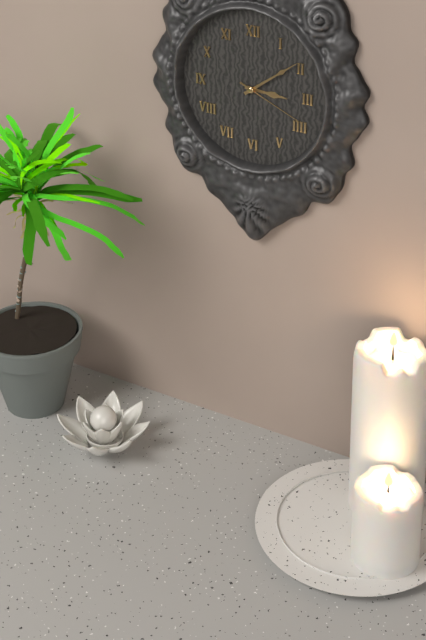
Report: h=3 m=9 s=19
